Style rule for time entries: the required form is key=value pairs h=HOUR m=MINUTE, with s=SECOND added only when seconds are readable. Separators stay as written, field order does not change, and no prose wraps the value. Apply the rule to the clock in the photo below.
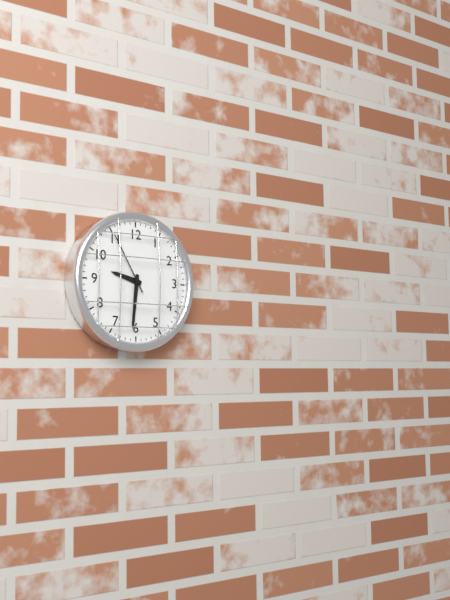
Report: h=9 m=31 s=55
